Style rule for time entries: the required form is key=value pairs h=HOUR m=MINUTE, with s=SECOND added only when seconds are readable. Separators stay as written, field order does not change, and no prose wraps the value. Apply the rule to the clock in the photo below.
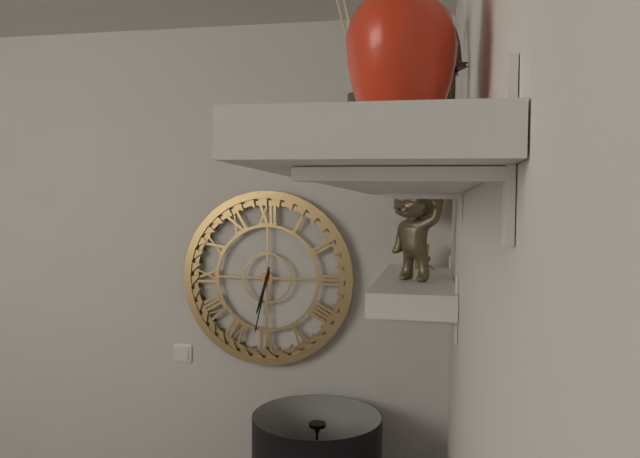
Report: h=6 m=32
